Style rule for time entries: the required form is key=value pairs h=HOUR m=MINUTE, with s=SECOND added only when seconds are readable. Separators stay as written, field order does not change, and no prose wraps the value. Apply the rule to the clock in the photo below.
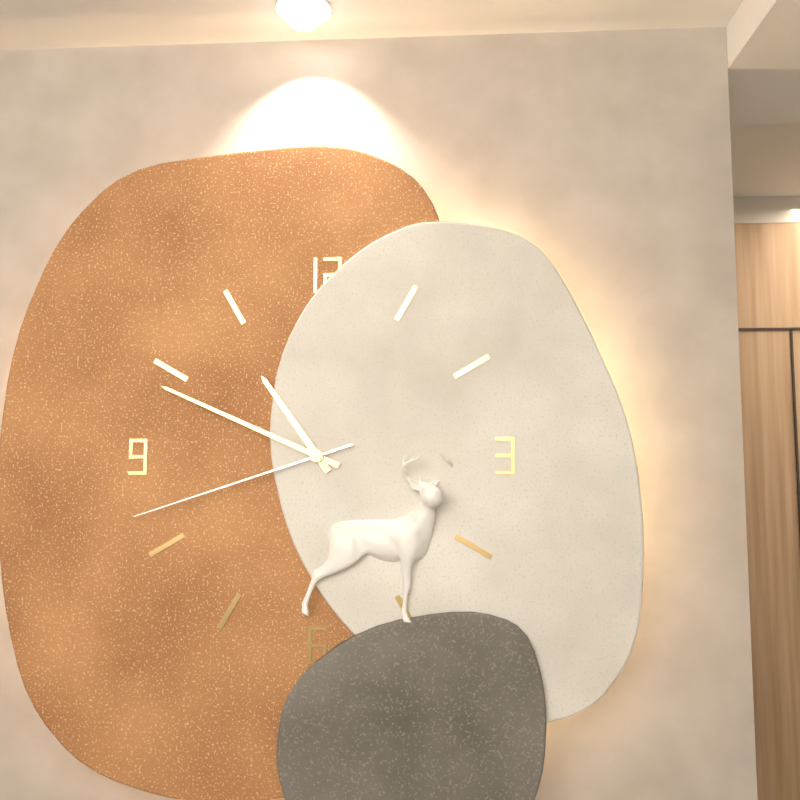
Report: h=10 m=49 s=42
